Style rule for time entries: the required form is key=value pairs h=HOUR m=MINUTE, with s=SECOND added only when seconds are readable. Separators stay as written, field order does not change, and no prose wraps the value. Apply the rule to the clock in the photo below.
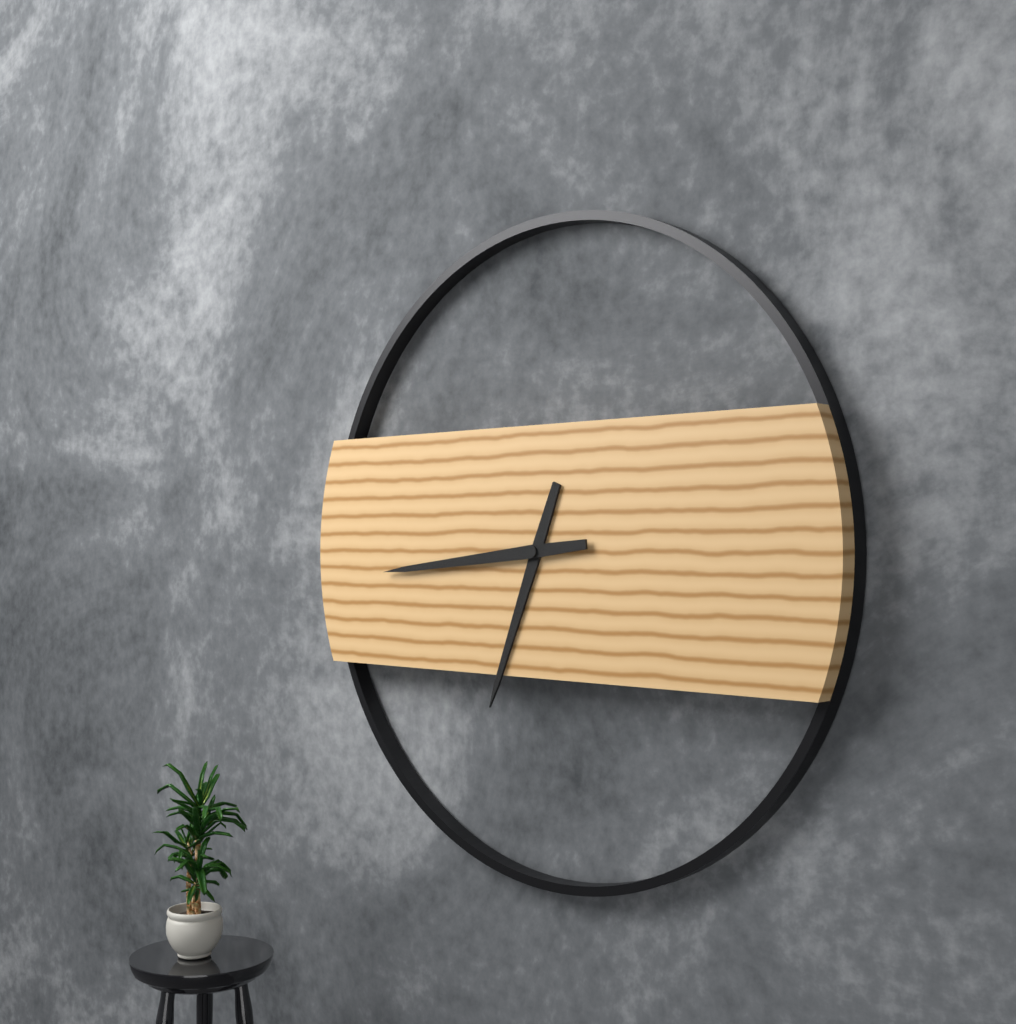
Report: h=6 m=44
